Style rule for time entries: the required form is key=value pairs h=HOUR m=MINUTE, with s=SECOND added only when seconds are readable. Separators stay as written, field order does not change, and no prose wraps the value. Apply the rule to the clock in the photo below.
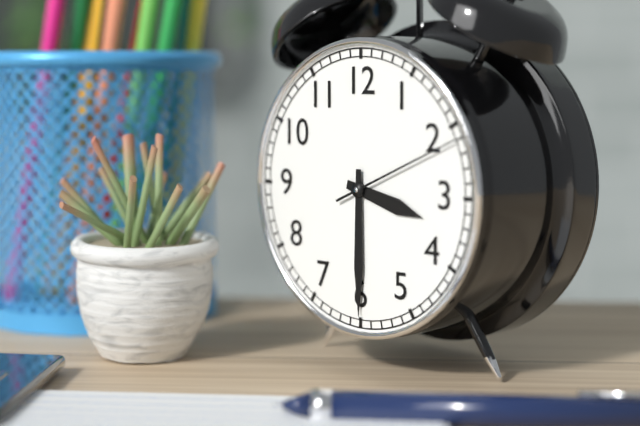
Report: h=3 m=30 s=11
